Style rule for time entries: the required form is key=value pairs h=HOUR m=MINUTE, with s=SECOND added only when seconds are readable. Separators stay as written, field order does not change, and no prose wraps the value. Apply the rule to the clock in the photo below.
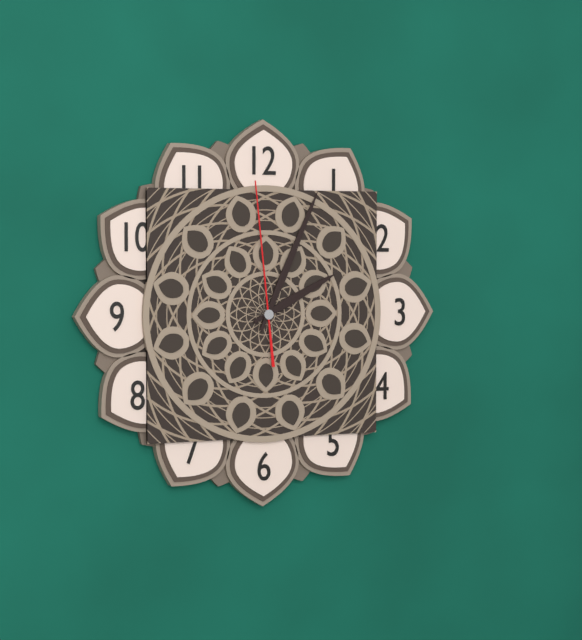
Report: h=2 m=4 s=59
